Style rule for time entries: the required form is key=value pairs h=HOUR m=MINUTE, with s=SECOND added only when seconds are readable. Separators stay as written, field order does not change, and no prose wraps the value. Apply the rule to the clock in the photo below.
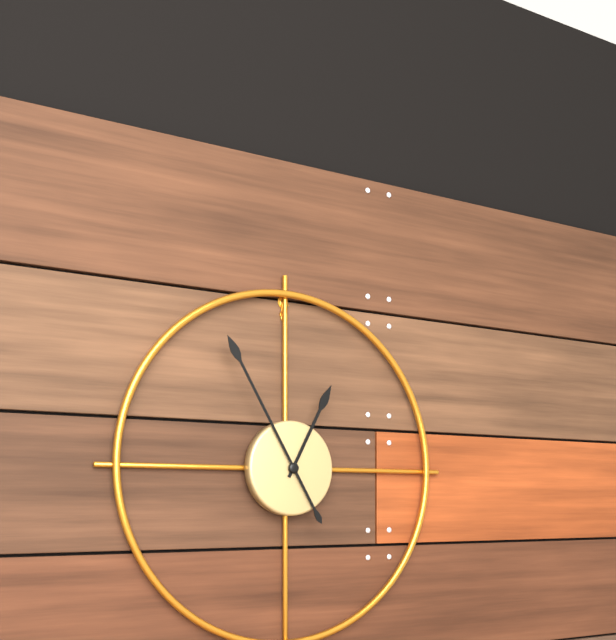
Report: h=12 m=55
